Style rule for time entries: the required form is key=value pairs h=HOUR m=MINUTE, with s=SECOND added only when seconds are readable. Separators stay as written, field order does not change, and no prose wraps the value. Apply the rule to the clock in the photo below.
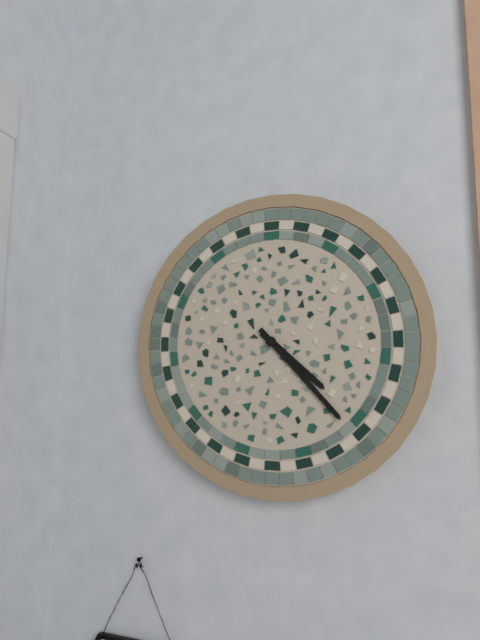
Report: h=4 m=23
